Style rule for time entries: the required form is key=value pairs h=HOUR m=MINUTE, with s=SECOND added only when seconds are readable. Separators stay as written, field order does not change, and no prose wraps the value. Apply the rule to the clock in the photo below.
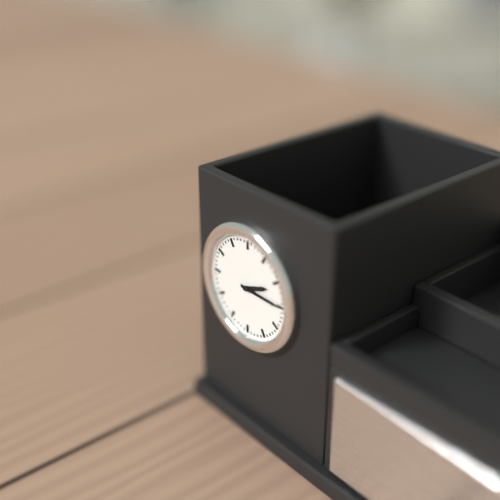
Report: h=2 m=15
